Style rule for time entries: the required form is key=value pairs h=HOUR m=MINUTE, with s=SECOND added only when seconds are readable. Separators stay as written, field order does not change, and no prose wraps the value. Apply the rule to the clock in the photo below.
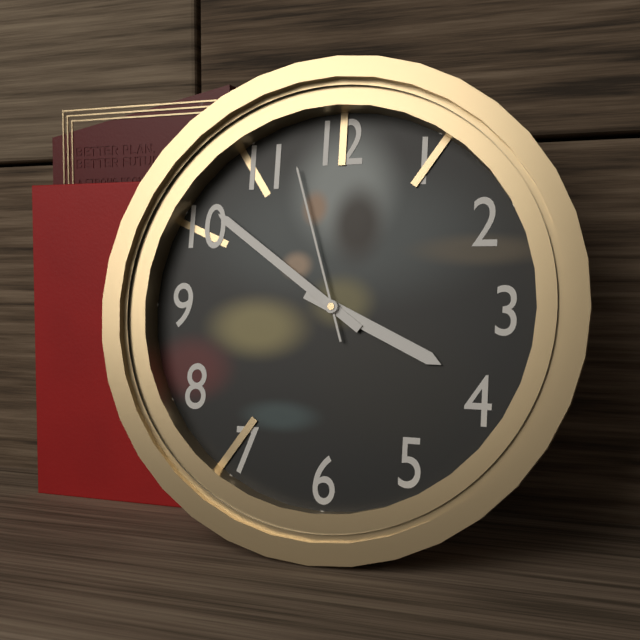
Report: h=3 m=51 s=57
